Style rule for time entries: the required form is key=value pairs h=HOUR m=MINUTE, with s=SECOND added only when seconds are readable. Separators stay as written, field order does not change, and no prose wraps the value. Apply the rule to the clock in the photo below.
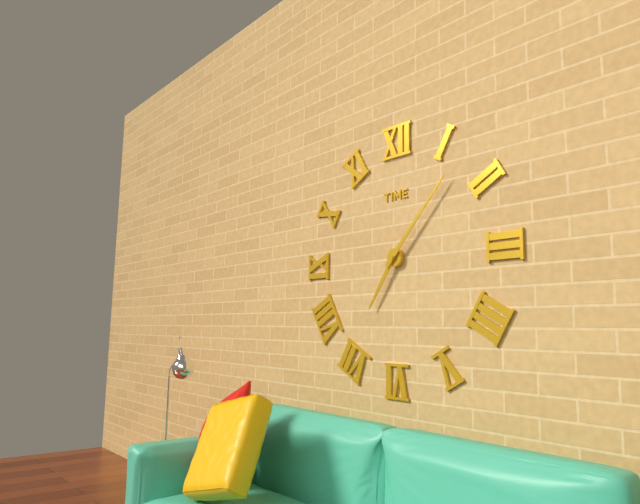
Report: h=7 m=7
